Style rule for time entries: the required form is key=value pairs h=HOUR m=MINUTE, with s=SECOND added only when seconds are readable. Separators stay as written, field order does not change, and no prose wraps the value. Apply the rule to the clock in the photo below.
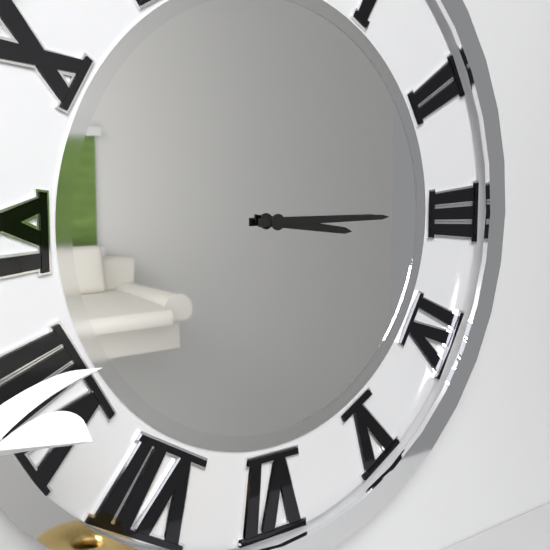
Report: h=3 m=15
